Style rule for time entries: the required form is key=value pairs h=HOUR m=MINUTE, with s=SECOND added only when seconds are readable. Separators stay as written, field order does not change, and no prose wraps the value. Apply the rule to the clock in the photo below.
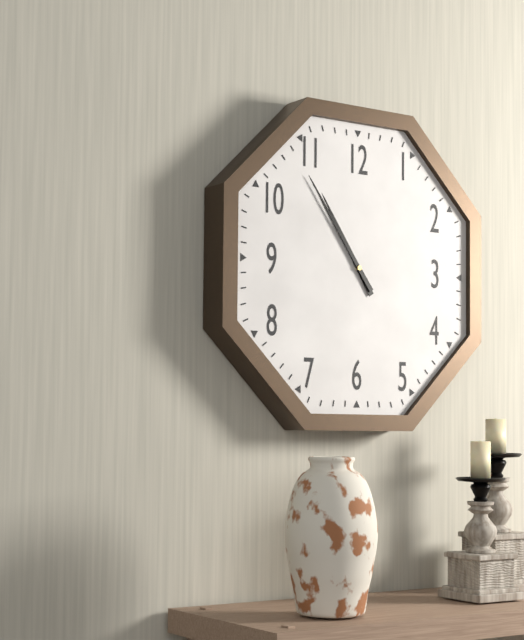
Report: h=10 m=54
